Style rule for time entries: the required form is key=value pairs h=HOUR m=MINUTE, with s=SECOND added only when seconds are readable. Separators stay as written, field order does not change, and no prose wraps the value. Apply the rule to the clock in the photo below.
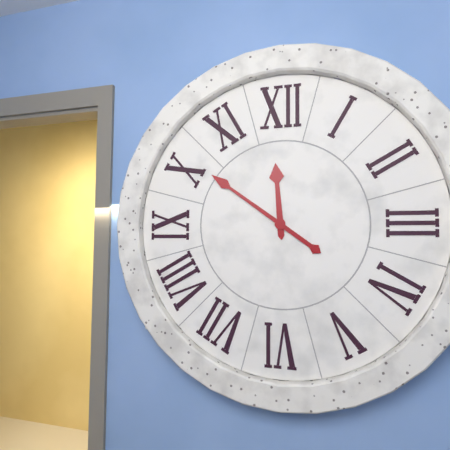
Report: h=11 m=51
